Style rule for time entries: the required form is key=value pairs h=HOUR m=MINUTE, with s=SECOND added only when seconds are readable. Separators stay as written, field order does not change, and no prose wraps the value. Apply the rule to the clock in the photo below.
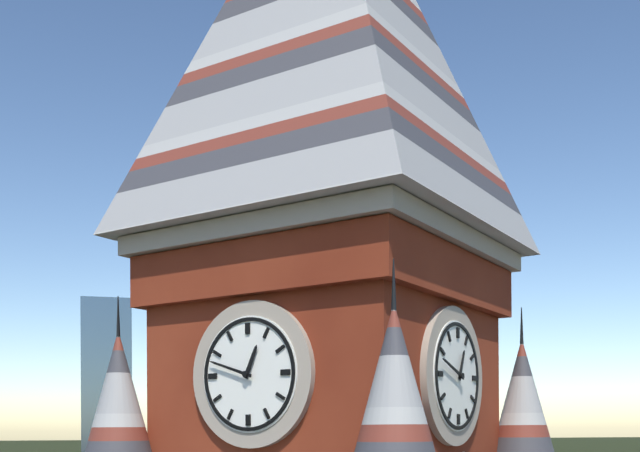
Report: h=12 m=48
